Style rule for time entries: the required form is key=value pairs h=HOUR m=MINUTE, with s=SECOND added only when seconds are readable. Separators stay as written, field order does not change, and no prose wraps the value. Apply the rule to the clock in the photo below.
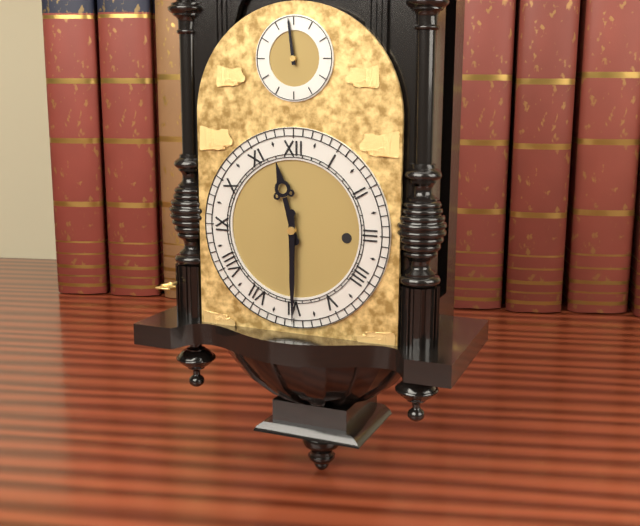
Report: h=11 m=30
